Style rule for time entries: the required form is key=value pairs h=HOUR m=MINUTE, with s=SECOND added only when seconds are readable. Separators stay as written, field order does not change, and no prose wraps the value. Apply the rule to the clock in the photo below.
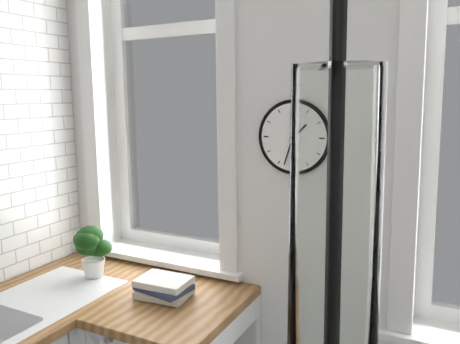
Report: h=1 m=33
